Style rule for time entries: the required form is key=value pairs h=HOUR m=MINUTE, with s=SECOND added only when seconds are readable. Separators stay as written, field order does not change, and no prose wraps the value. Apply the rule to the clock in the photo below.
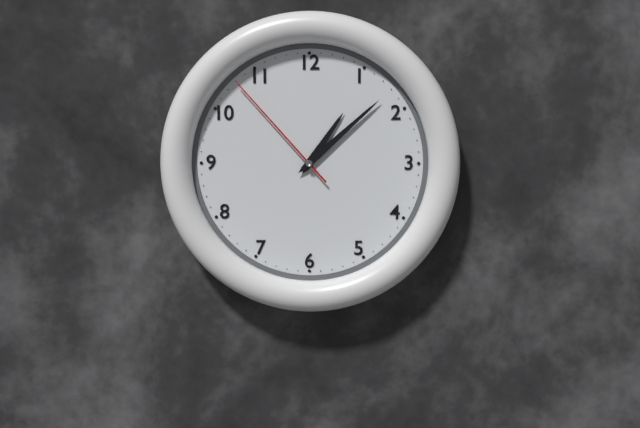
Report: h=1 m=8 s=53
